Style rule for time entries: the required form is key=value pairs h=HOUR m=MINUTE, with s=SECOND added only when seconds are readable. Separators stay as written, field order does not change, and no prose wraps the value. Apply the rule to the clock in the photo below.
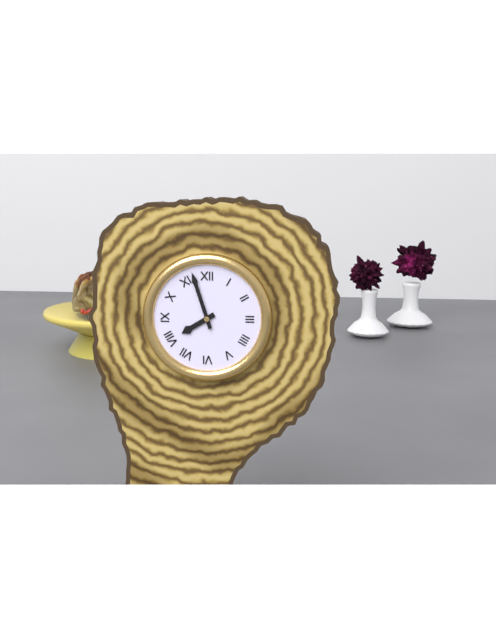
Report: h=7 m=57
